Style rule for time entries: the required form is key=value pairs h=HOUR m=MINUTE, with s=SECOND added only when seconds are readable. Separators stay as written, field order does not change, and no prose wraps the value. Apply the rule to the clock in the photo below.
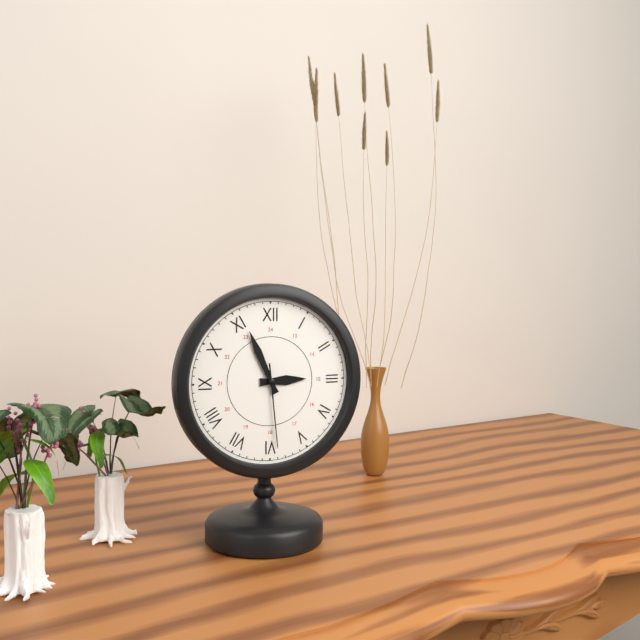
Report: h=2 m=56 s=29
